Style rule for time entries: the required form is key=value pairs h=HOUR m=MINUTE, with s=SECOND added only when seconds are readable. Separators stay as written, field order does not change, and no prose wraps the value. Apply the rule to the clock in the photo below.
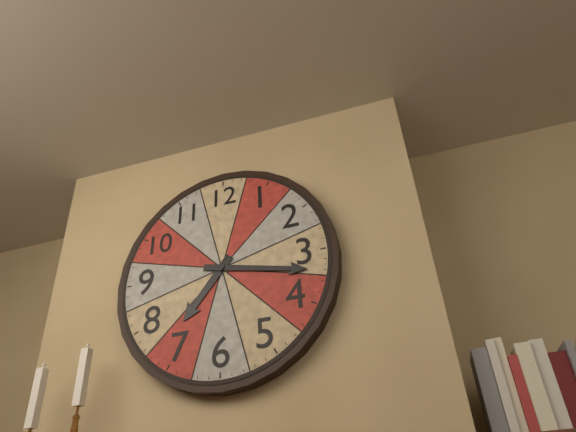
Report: h=7 m=17
